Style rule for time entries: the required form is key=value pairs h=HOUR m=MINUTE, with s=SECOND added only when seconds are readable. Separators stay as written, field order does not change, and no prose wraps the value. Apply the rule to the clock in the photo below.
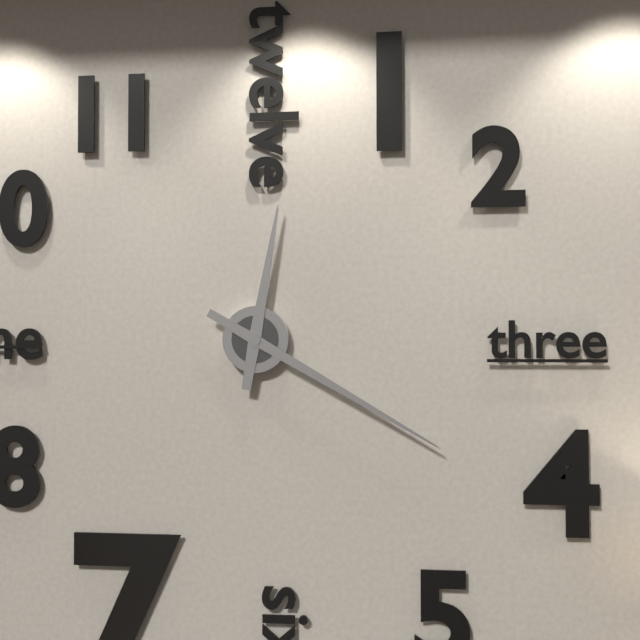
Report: h=12 m=20
